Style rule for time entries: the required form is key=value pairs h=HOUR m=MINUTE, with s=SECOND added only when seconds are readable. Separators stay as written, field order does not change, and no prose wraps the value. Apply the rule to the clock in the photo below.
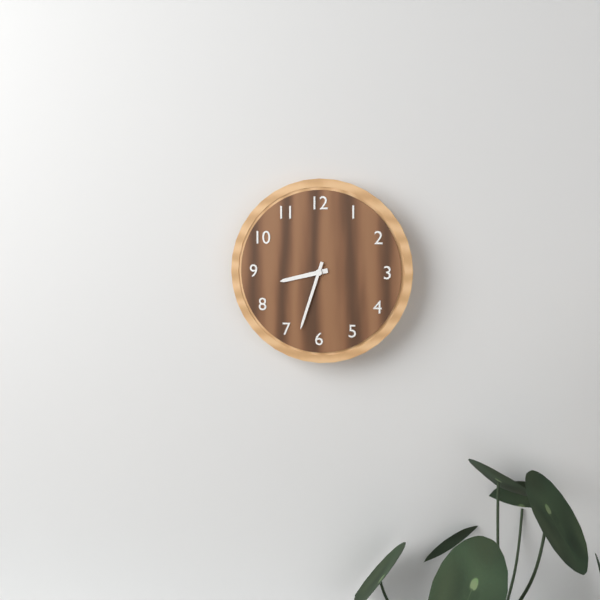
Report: h=8 m=33
